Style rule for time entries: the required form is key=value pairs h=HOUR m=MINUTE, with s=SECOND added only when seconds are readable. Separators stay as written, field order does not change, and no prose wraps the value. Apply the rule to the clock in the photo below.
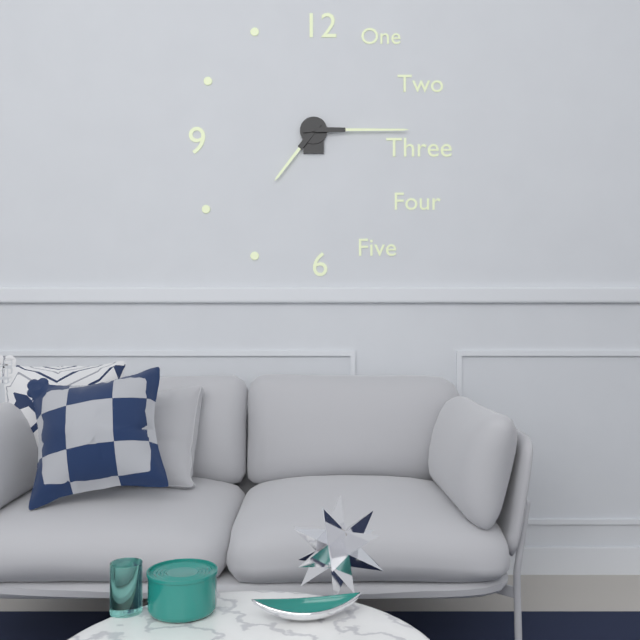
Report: h=7 m=15
